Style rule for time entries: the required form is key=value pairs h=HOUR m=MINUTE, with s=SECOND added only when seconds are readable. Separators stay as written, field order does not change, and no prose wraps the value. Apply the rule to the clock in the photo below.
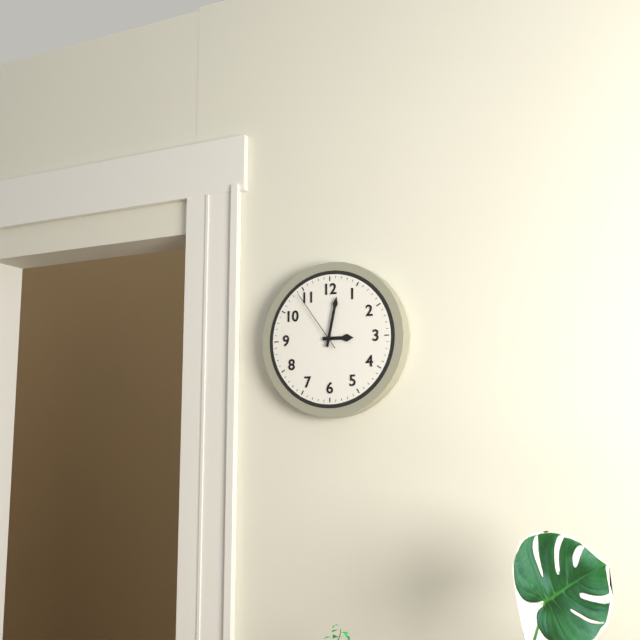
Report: h=3 m=2 s=54
